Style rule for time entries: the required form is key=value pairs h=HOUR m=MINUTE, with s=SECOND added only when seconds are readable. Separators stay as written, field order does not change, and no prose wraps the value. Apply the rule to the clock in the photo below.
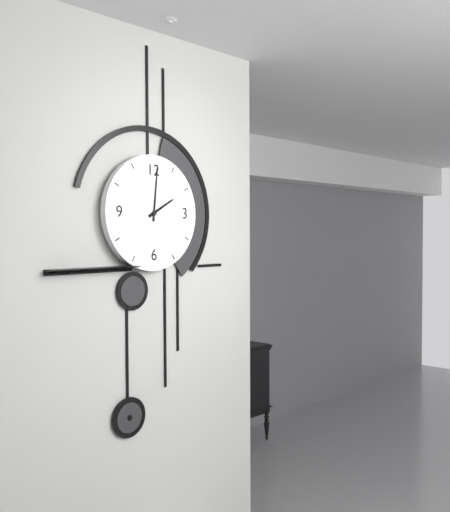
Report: h=2 m=1
